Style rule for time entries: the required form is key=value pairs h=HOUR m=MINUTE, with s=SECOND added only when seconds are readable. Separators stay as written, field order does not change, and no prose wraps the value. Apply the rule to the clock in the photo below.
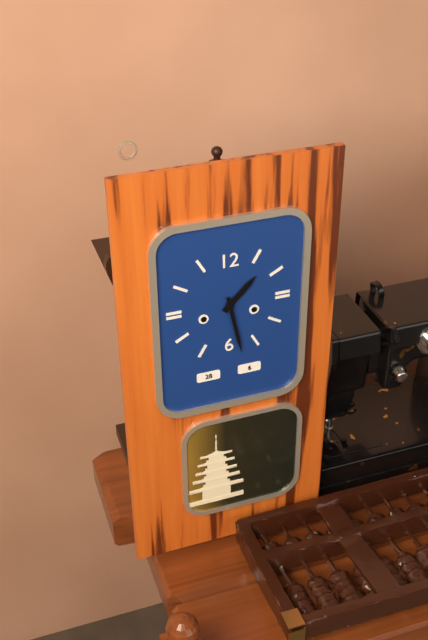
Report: h=1 m=28
